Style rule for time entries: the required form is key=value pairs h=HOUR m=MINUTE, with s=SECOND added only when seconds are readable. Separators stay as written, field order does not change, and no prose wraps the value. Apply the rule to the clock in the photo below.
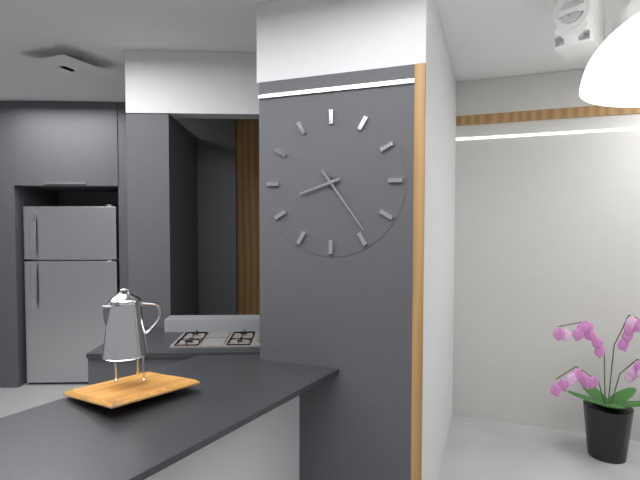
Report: h=8 m=24
